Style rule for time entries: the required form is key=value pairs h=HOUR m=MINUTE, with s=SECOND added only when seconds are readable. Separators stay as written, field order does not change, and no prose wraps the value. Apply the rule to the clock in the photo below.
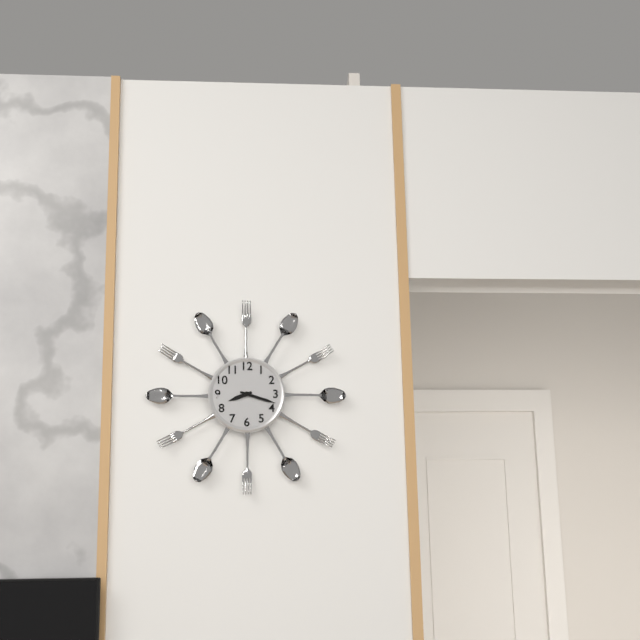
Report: h=8 m=18
